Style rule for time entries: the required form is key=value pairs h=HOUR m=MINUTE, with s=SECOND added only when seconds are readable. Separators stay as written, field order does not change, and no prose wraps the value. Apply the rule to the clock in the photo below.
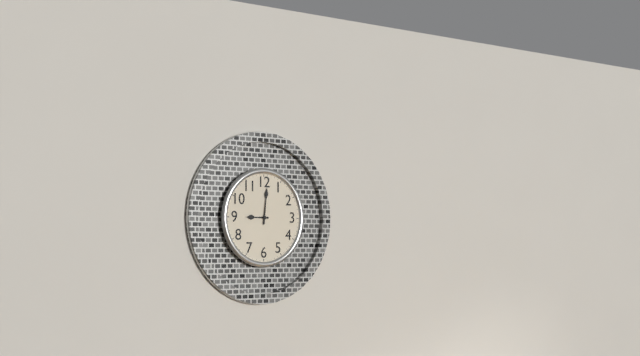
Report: h=9 m=1
